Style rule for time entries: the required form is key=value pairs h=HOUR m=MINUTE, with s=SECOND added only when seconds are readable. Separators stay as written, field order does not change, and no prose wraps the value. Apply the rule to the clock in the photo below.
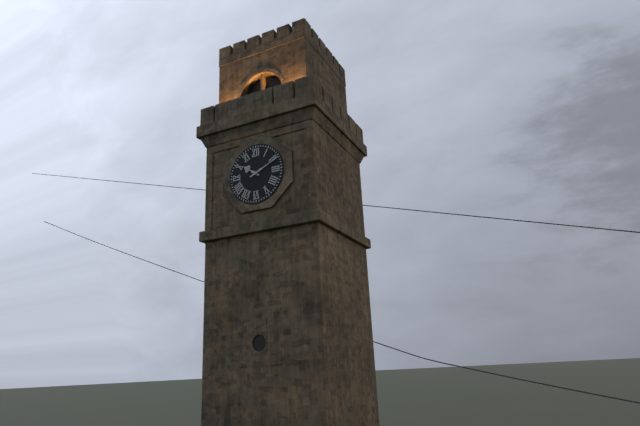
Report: h=10 m=11
